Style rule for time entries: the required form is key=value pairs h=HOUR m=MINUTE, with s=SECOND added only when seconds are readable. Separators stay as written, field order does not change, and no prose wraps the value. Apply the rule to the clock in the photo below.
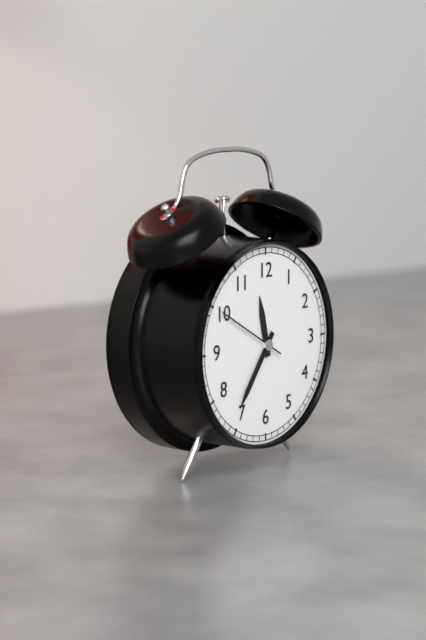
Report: h=11 m=36 s=50
